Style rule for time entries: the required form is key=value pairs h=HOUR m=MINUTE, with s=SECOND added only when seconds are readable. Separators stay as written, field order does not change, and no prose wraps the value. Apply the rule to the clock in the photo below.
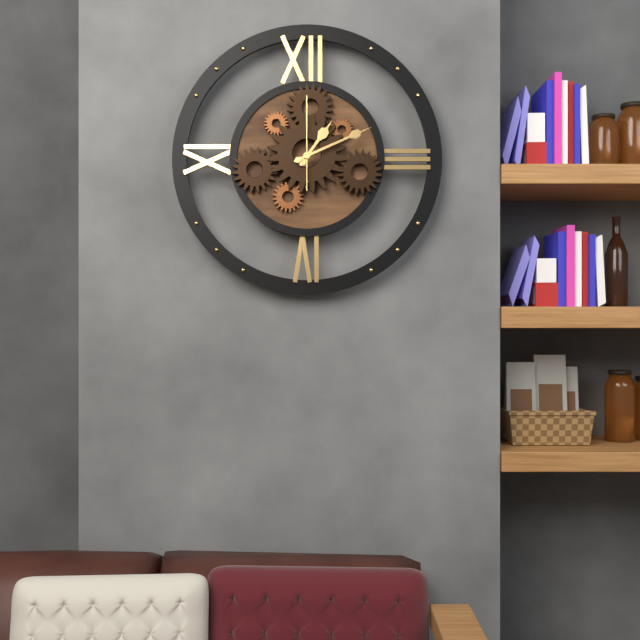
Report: h=1 m=11 s=0
